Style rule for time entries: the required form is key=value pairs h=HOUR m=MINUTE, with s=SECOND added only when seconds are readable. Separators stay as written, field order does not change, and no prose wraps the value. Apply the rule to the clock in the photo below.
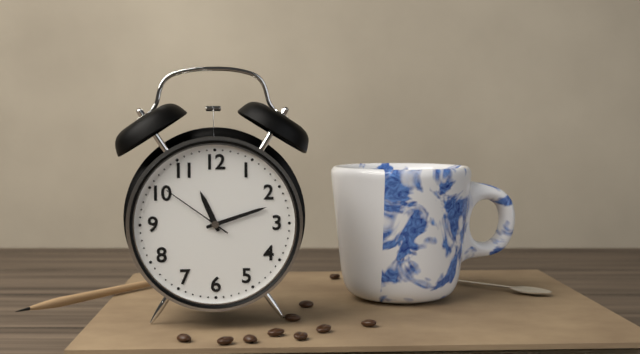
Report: h=11 m=12 s=51
